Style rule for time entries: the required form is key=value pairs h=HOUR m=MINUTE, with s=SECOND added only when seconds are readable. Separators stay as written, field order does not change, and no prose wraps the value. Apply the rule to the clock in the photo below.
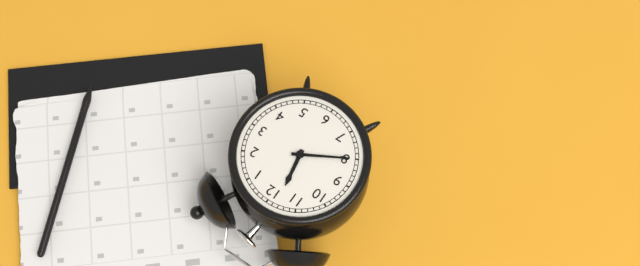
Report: h=11 m=40
